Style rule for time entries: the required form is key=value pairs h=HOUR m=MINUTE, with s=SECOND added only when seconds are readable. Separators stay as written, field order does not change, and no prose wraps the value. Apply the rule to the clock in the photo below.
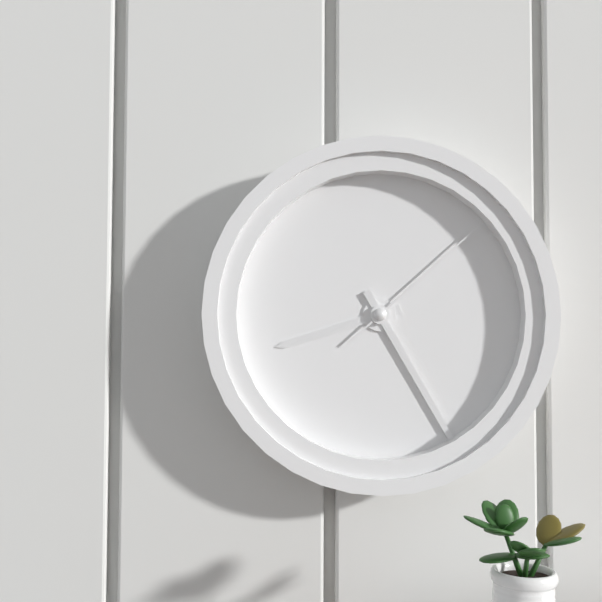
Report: h=8 m=25 s=8
